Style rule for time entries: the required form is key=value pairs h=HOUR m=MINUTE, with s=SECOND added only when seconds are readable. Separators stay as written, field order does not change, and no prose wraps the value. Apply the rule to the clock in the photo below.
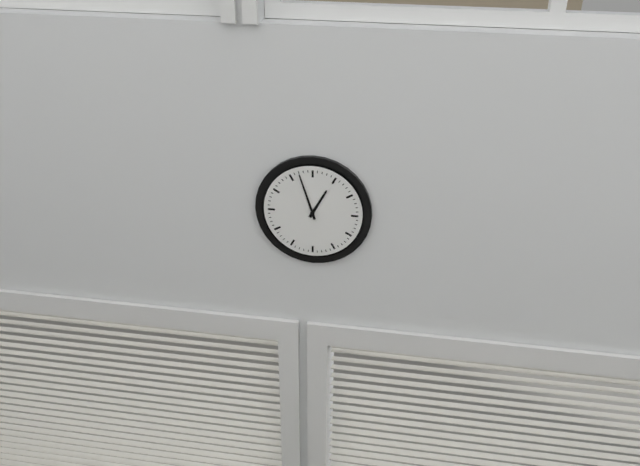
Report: h=12 m=57
